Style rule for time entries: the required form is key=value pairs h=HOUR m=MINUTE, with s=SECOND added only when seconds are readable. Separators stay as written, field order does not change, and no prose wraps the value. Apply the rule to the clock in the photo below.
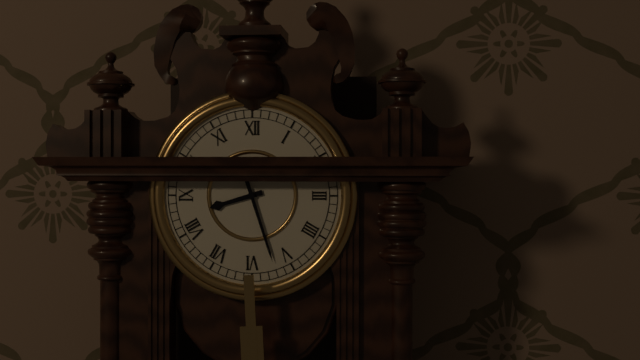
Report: h=8 m=27
